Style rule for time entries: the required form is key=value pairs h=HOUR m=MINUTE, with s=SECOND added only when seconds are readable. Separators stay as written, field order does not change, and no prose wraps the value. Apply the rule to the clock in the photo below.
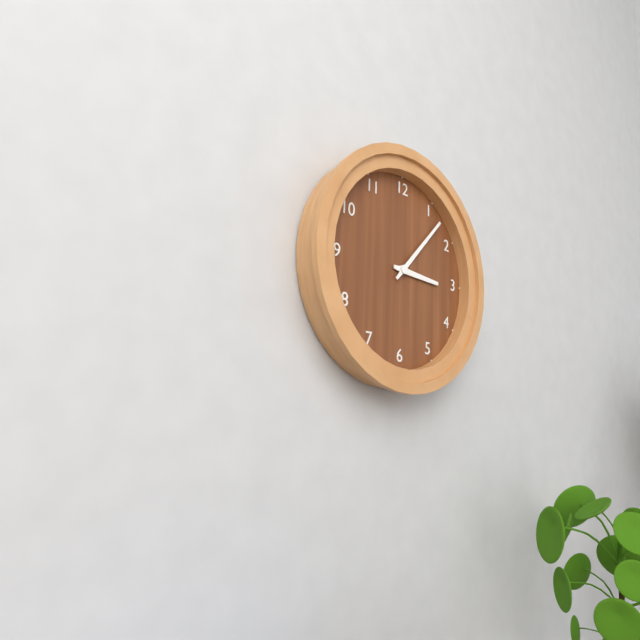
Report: h=3 m=7
